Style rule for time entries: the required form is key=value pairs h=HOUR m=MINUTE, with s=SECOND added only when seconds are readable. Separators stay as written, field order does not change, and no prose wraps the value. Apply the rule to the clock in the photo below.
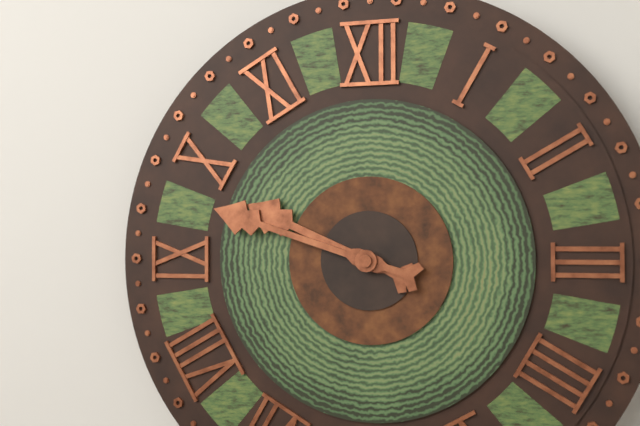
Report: h=9 m=48
